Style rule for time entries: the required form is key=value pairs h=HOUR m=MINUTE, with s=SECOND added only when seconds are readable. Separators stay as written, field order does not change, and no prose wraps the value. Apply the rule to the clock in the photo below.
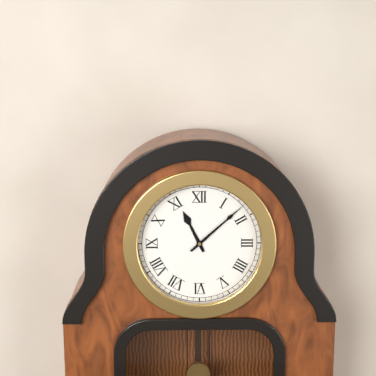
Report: h=11 m=8
